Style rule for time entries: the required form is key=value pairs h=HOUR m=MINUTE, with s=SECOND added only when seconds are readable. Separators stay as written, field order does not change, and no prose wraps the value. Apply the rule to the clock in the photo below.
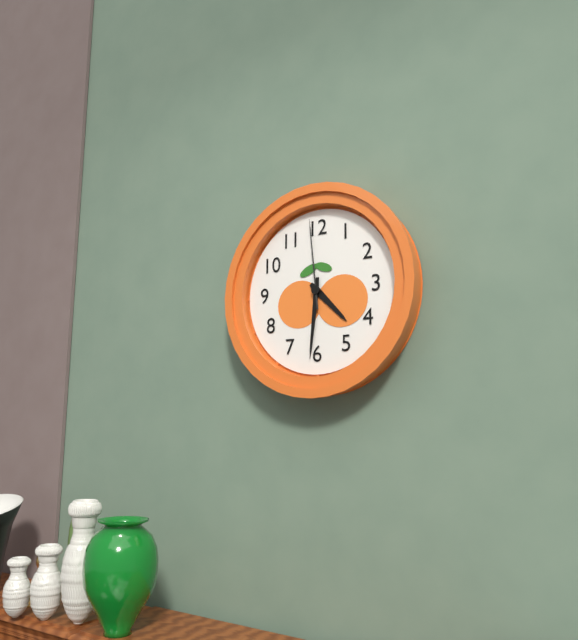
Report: h=4 m=31 s=59
